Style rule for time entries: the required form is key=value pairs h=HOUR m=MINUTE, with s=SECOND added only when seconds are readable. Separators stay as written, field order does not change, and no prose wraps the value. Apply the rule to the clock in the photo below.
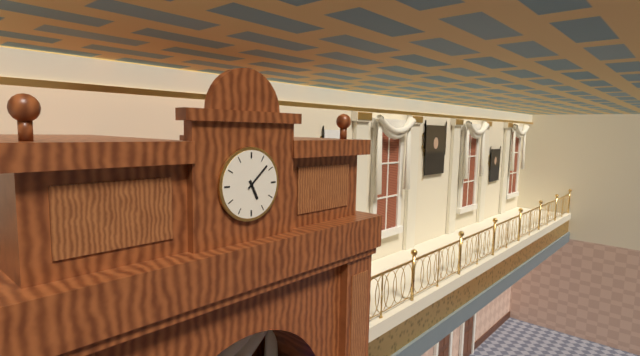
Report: h=5 m=8
